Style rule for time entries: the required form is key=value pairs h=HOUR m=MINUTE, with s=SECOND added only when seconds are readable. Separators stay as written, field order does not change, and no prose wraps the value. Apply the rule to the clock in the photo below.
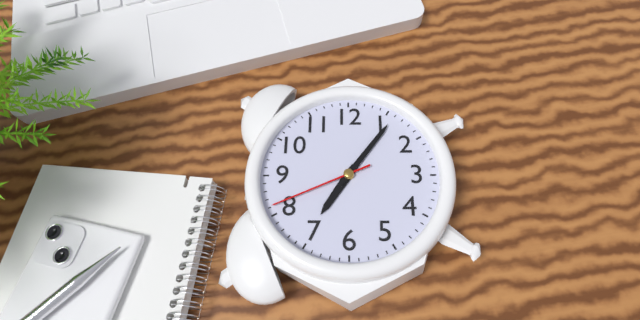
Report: h=7 m=6 s=41
